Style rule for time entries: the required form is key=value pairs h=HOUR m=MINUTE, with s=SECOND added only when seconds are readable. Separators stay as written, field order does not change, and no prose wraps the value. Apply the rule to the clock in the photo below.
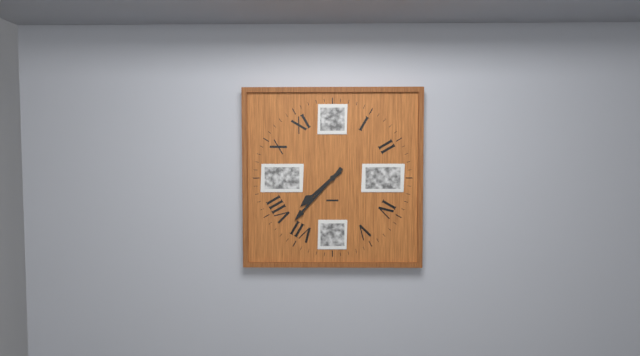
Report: h=7 m=37
